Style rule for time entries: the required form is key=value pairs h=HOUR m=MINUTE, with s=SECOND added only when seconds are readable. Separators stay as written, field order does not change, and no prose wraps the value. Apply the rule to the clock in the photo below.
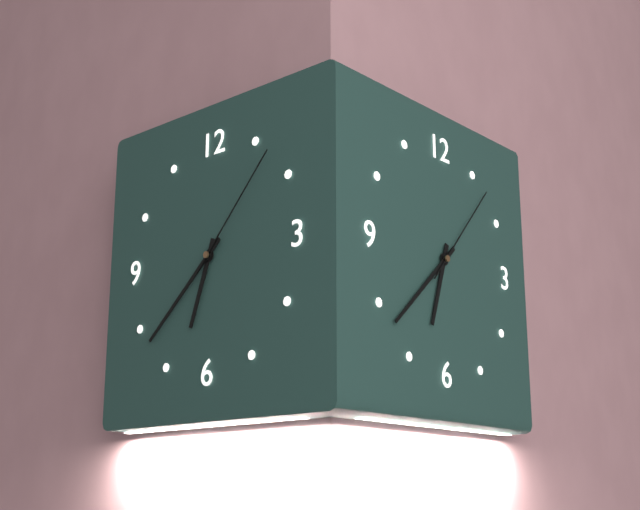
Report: h=6 m=38 s=7
